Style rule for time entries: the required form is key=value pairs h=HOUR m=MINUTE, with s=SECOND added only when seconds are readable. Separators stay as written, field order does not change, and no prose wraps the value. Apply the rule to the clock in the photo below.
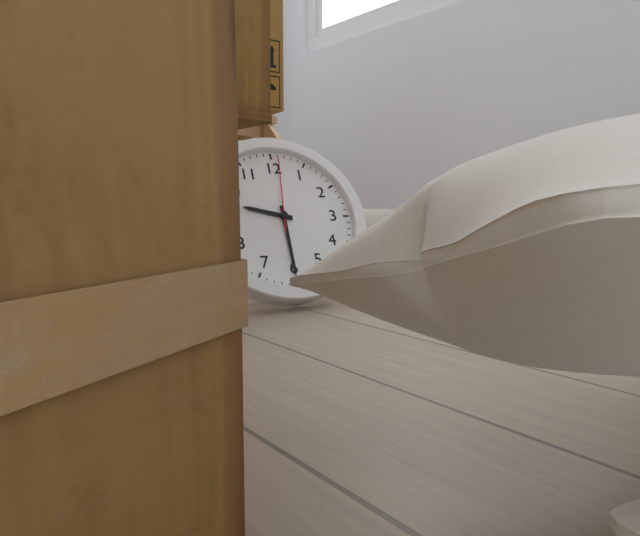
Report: h=9 m=30 s=1
